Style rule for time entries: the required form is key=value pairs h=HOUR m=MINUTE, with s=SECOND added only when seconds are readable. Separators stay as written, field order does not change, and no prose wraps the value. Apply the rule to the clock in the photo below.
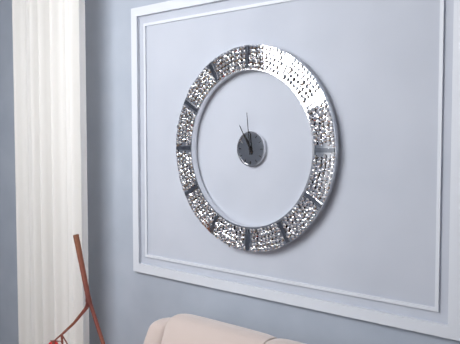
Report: h=10 m=59
